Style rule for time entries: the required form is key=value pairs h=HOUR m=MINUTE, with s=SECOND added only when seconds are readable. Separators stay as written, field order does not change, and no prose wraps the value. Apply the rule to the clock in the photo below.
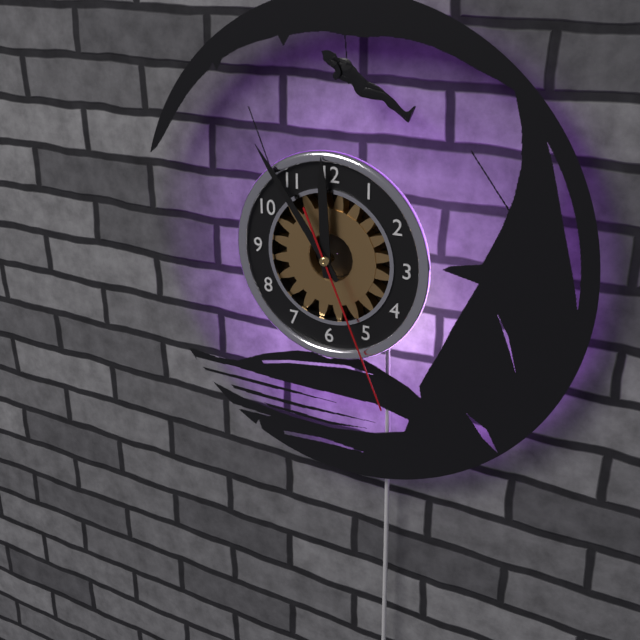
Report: h=11 m=54 s=26
